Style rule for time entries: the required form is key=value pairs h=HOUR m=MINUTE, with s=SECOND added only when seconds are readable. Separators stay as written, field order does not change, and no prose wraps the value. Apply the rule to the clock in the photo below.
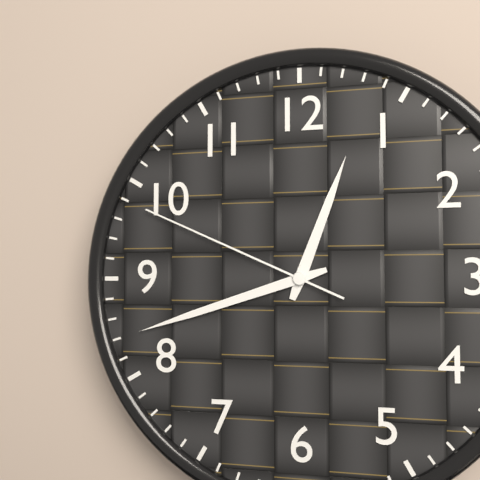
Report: h=12 m=42 s=49
